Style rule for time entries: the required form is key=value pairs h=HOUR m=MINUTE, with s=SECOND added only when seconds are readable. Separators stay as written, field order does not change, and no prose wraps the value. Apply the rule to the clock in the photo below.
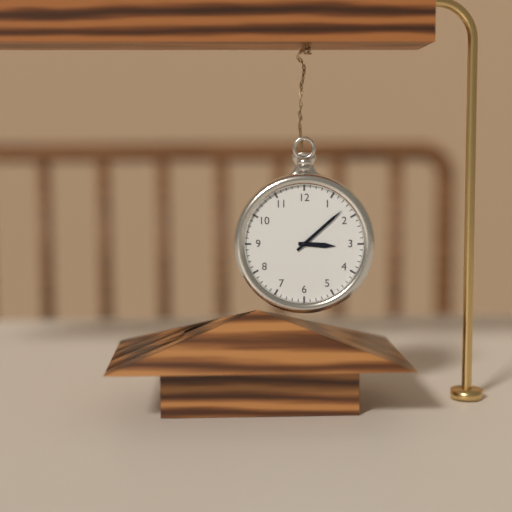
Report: h=3 m=8
